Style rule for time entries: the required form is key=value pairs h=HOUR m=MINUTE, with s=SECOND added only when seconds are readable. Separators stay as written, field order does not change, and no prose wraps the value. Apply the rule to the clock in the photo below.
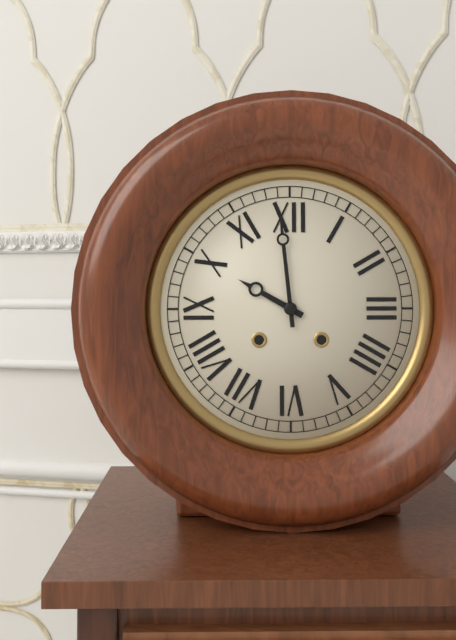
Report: h=9 m=59
